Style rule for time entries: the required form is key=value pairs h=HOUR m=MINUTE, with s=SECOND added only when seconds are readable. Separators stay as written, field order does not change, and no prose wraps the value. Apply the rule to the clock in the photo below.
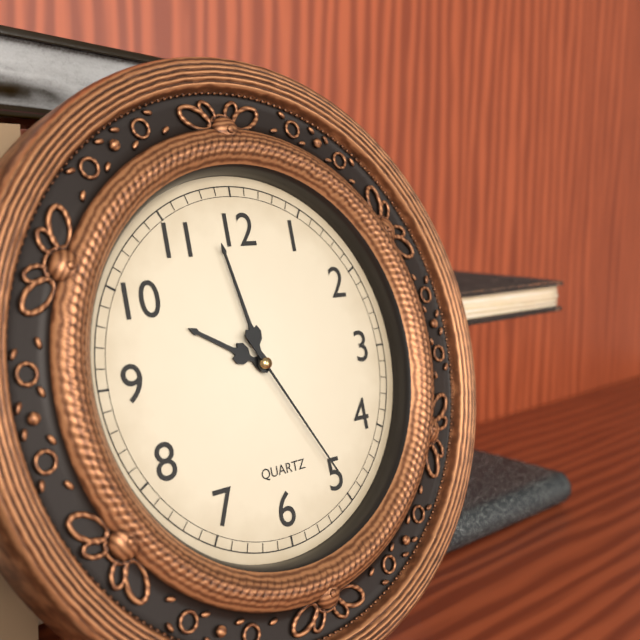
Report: h=9 m=58 s=25
